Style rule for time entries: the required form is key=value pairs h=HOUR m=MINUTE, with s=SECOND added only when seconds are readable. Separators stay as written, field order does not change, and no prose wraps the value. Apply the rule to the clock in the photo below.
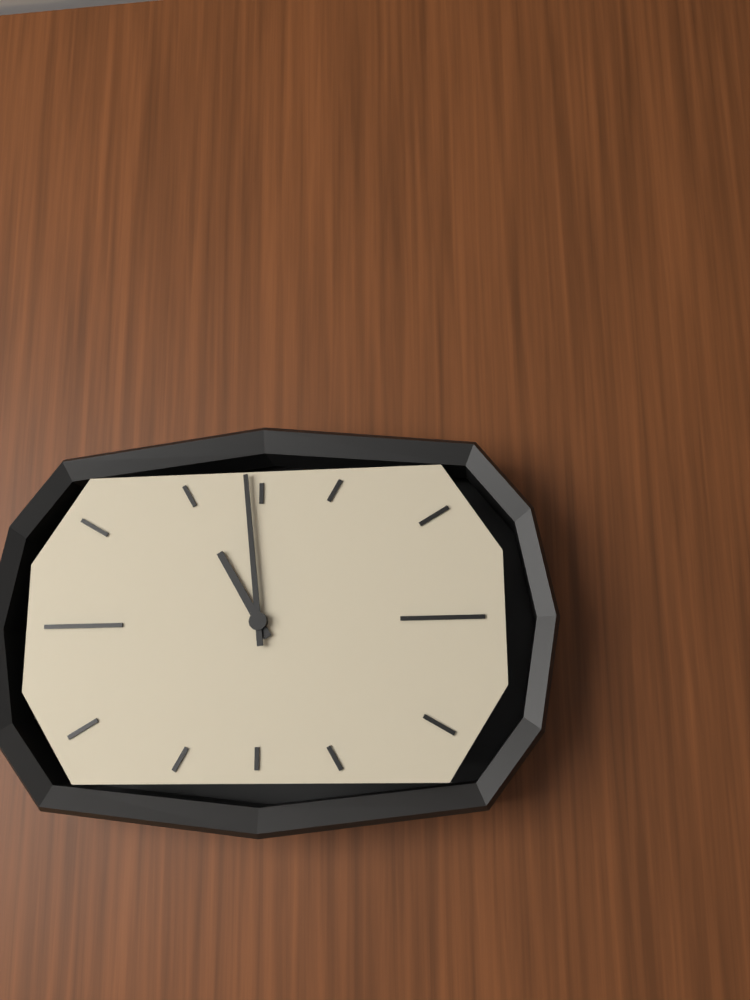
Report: h=10 m=59
